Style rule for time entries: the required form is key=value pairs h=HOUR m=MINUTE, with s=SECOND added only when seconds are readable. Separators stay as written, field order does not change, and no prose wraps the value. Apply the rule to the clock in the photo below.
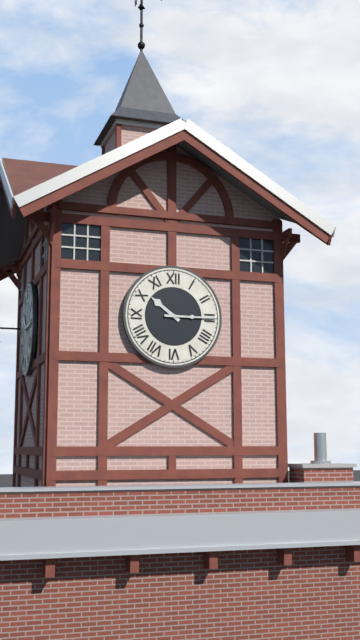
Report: h=10 m=15
